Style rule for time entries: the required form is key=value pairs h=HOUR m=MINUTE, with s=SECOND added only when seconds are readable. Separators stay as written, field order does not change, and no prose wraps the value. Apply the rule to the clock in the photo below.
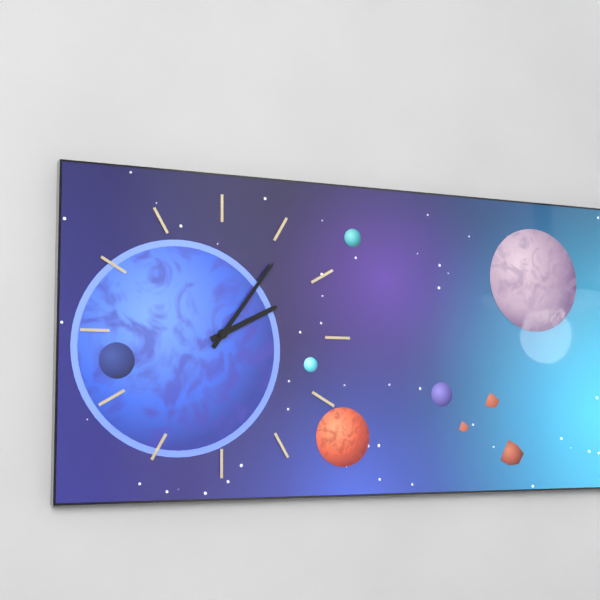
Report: h=2 m=6
